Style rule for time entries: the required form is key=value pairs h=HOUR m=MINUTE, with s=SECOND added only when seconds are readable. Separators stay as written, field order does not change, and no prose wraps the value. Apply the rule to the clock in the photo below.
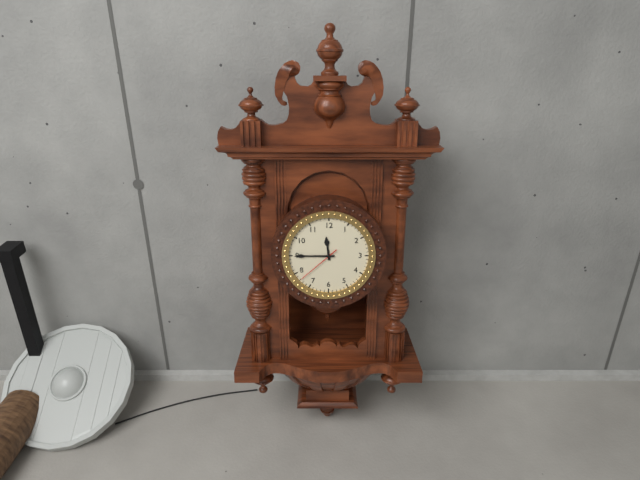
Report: h=11 m=45
